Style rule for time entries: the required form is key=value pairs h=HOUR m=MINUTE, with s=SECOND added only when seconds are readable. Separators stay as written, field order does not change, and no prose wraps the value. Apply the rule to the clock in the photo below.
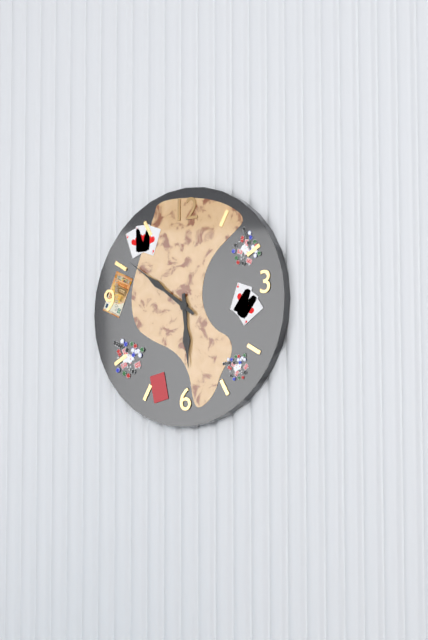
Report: h=5 m=51
